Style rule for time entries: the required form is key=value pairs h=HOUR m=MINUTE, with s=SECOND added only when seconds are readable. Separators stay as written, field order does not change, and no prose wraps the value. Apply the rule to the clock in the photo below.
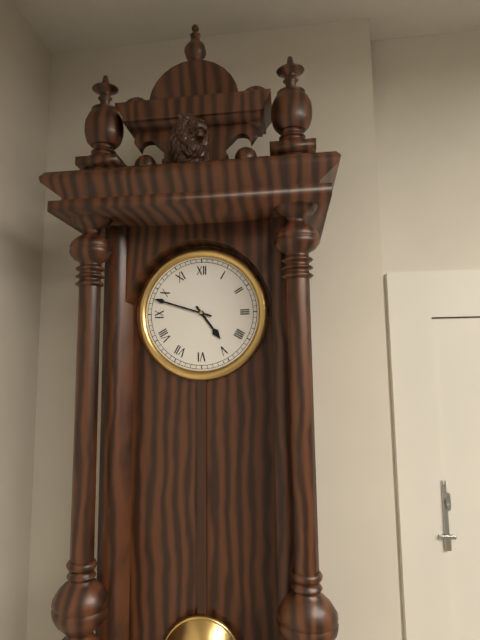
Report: h=4 m=48
